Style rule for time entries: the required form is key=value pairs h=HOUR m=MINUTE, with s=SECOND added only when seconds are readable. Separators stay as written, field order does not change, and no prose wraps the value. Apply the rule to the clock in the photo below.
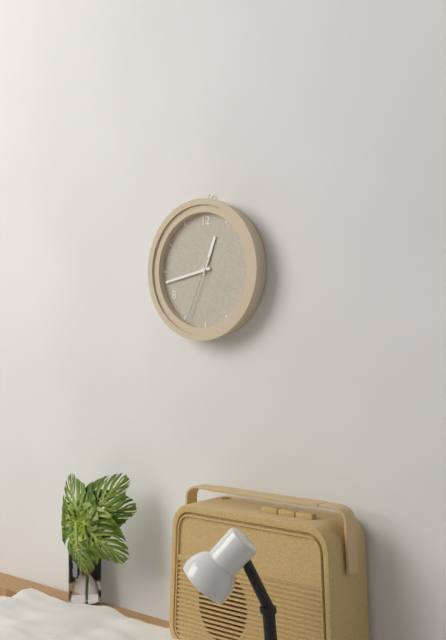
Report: h=12 m=43 s=34
